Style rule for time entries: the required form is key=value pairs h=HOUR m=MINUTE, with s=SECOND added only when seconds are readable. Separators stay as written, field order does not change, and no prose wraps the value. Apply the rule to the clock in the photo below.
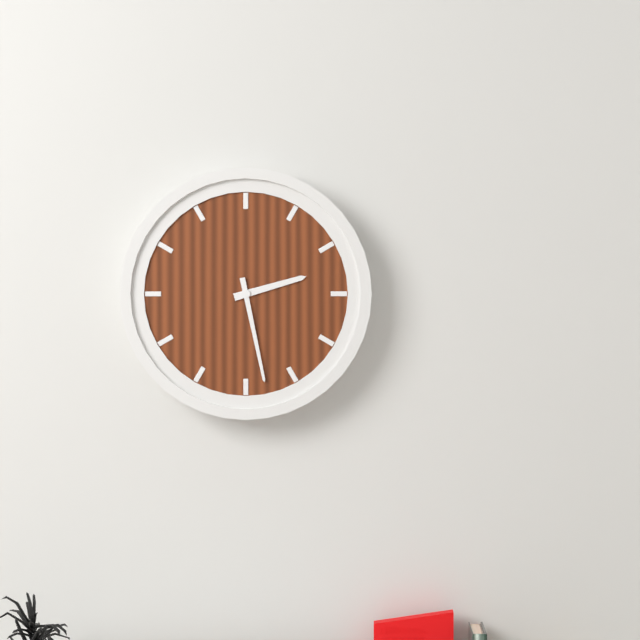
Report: h=2 m=28
